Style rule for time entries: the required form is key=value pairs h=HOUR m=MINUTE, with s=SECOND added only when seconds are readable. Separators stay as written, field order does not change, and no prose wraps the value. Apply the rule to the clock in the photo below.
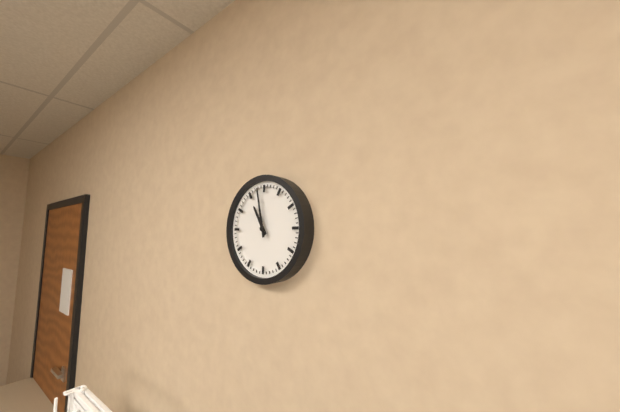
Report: h=10 m=58
